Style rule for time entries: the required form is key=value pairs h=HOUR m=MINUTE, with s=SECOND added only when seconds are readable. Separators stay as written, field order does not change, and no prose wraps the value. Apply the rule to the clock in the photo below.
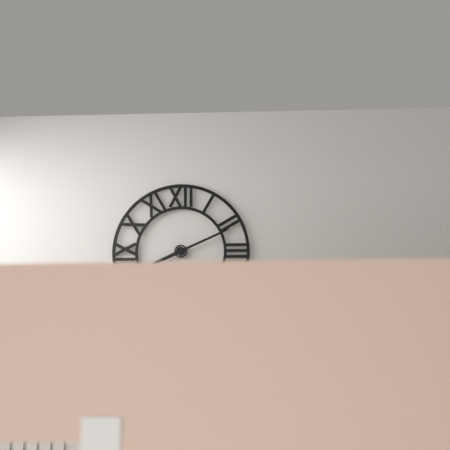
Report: h=8 m=11
